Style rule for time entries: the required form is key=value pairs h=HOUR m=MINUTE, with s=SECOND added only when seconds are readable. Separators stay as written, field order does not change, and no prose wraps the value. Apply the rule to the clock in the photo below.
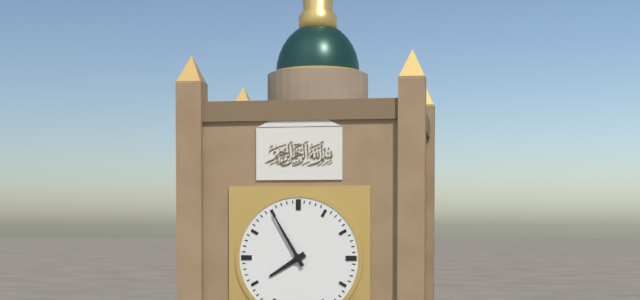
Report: h=7 m=55
